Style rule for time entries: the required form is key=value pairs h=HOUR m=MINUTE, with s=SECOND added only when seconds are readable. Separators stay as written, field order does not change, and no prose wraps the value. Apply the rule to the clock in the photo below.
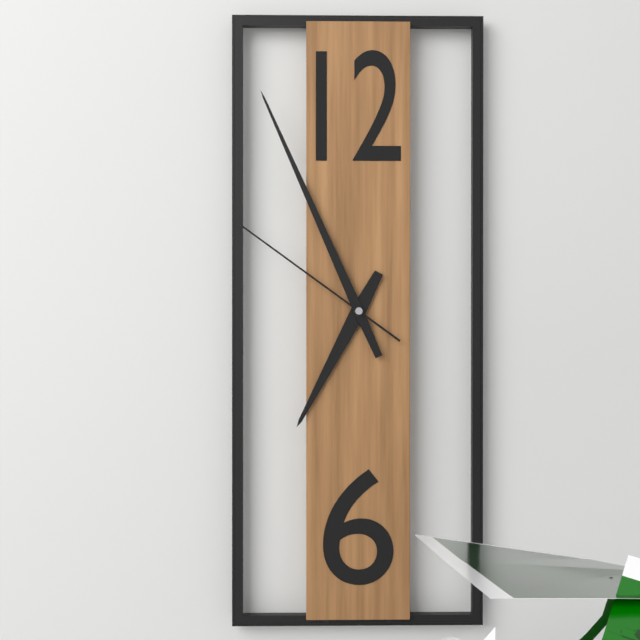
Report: h=6 m=56 s=51
